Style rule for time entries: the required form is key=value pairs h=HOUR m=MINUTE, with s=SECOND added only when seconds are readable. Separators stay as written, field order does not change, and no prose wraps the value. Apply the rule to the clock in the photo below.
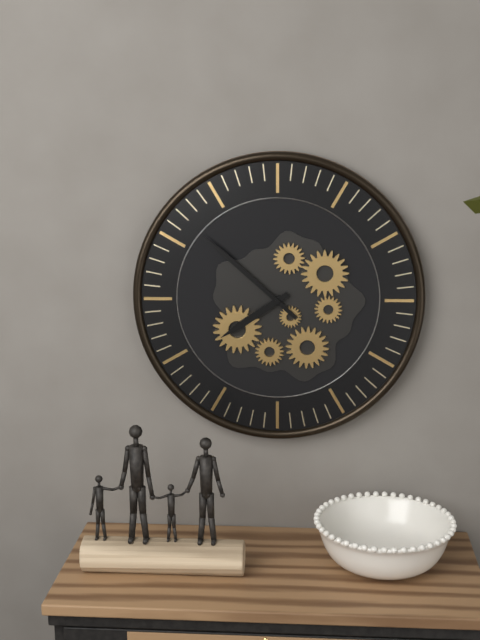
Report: h=7 m=52
